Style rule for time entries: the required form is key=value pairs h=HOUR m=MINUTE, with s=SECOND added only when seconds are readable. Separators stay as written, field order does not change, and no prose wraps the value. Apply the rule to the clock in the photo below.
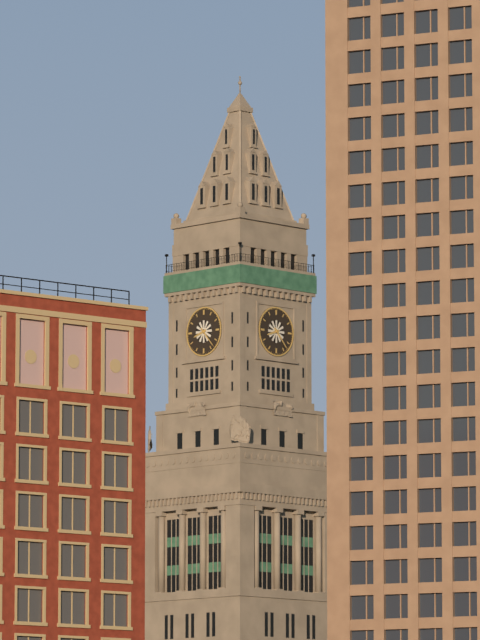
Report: h=8 m=23
